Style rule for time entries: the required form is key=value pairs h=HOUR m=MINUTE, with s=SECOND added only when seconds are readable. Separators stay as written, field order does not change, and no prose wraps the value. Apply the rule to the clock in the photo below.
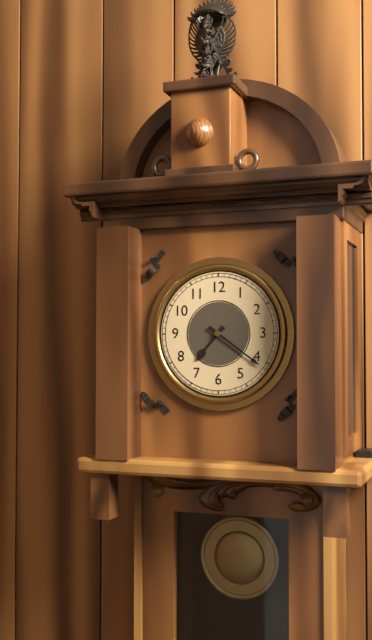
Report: h=7 m=21
